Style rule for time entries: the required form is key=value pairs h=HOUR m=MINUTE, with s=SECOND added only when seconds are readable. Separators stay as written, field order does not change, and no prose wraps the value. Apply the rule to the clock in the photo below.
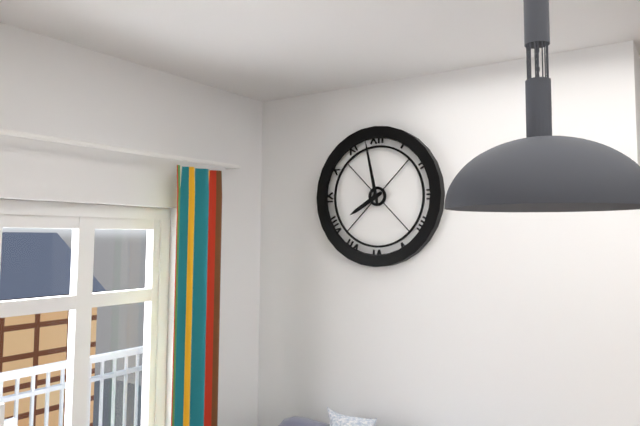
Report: h=7 m=58
